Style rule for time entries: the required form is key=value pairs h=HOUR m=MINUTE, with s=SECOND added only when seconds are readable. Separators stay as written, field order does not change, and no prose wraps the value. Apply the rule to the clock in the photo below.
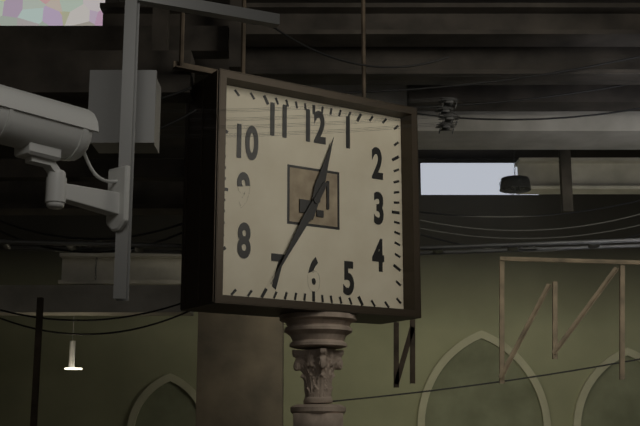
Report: h=12 m=35
